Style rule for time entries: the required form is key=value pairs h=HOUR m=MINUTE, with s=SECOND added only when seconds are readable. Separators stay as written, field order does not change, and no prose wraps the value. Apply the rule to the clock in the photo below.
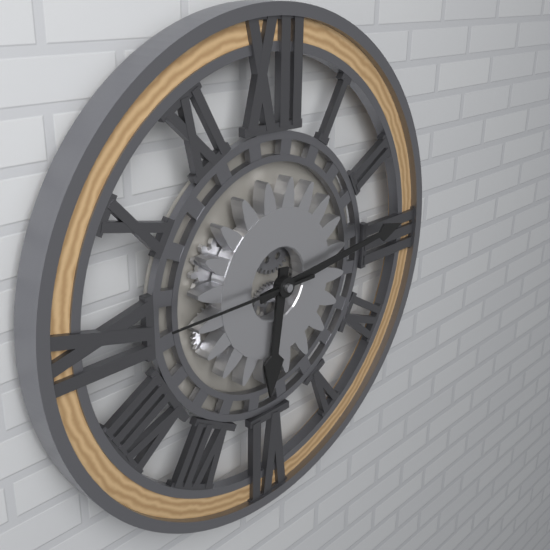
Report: h=6 m=14 s=45
